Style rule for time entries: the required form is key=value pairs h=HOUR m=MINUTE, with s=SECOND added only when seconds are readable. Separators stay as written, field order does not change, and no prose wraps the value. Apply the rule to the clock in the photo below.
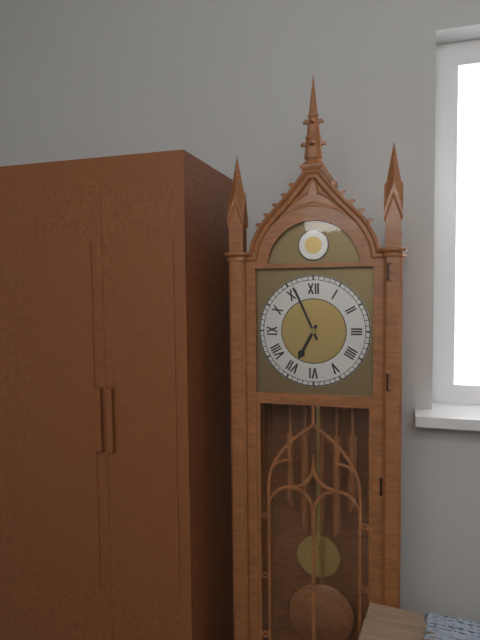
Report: h=6 m=56
